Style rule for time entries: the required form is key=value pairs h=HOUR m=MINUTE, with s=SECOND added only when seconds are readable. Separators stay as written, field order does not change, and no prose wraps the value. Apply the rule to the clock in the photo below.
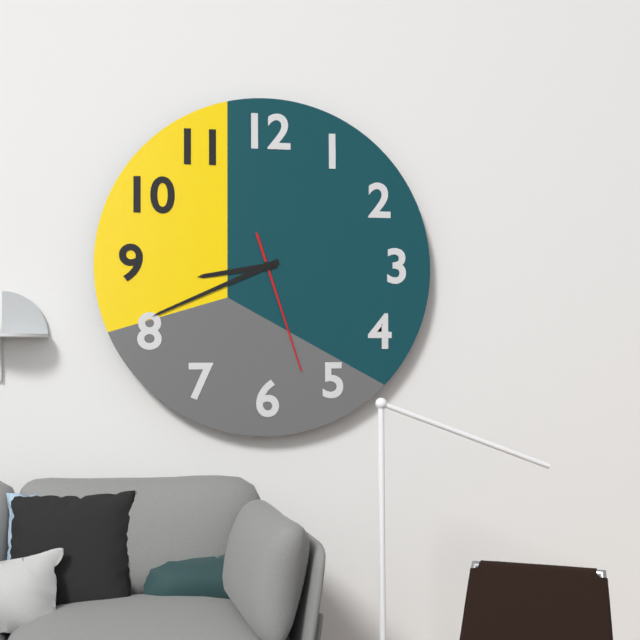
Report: h=8 m=41 s=27
